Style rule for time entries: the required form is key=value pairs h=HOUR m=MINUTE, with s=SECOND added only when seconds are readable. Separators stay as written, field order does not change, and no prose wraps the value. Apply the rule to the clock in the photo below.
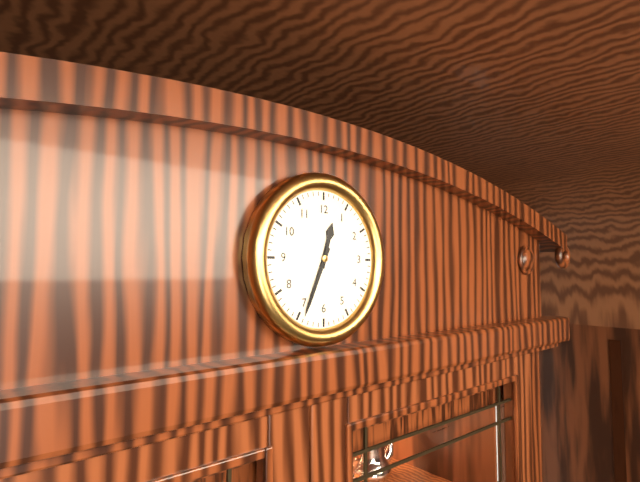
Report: h=12 m=34
